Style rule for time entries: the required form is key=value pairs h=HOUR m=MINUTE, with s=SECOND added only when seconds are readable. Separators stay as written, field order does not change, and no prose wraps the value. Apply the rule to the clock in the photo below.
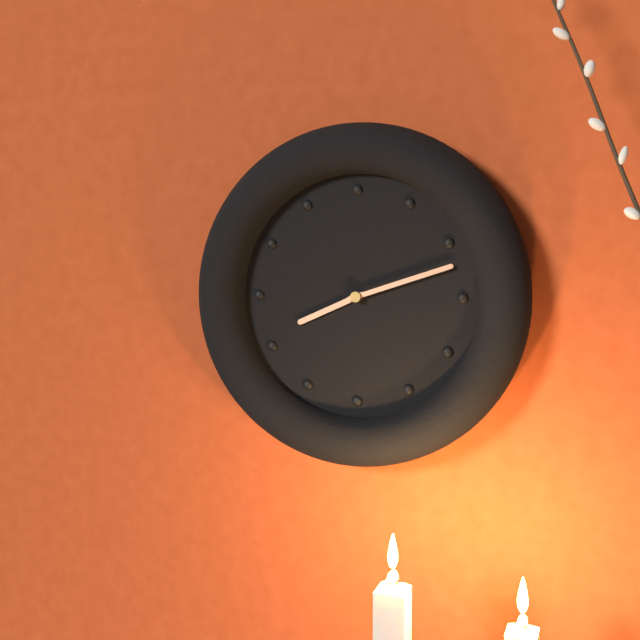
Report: h=8 m=12
